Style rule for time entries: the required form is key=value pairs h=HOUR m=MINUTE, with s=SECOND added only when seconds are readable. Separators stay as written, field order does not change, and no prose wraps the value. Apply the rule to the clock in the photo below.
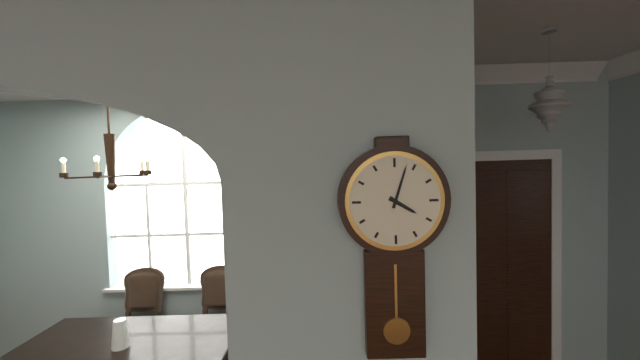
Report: h=4 m=3
